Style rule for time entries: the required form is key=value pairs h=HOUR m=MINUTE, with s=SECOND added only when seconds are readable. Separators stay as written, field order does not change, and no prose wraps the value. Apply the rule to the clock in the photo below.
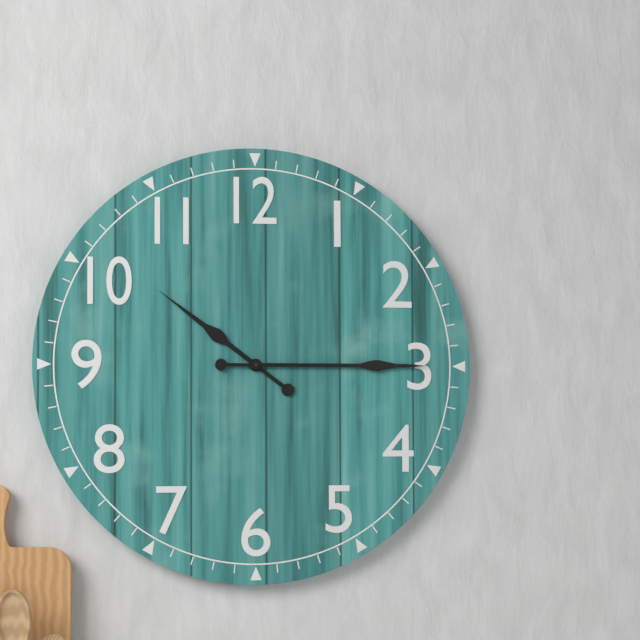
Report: h=10 m=15
